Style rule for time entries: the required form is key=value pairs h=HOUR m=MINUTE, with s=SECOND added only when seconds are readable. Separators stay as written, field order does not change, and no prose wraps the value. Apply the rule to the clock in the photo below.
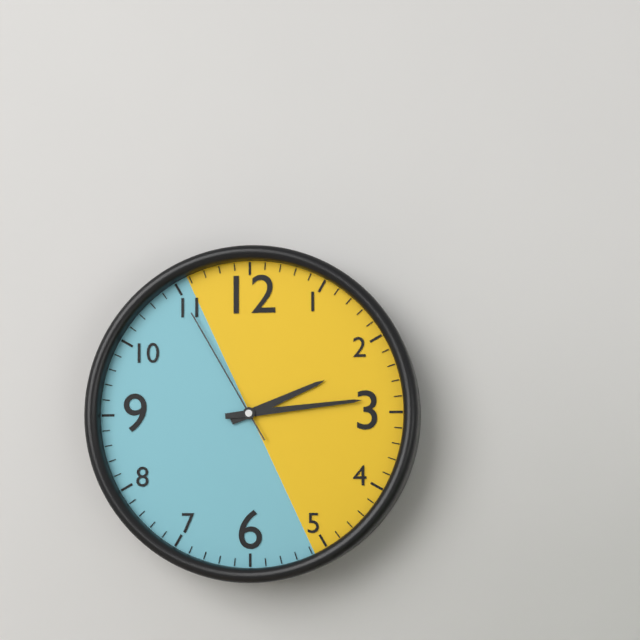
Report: h=2 m=14 s=55
